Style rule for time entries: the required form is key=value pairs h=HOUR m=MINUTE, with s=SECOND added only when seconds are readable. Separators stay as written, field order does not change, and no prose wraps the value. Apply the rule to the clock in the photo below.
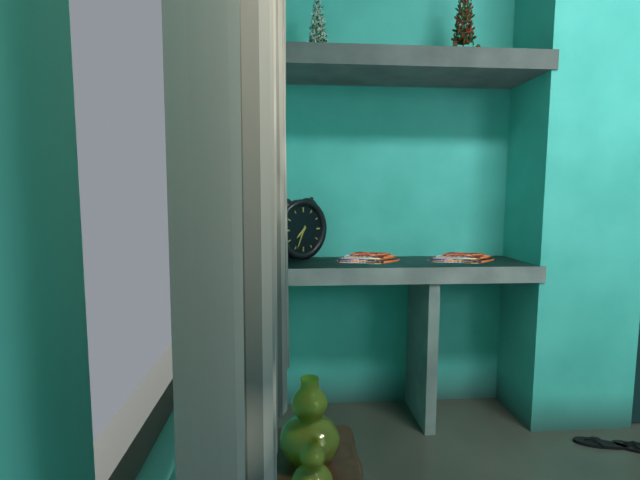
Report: h=7 m=34
